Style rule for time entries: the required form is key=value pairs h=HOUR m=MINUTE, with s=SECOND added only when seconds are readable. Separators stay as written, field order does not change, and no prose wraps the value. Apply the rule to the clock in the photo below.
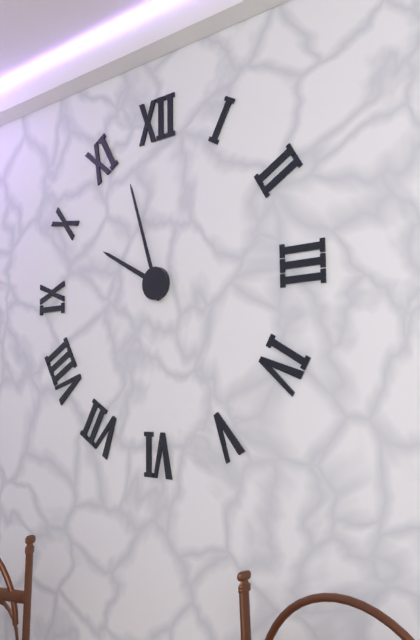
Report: h=9 m=57
